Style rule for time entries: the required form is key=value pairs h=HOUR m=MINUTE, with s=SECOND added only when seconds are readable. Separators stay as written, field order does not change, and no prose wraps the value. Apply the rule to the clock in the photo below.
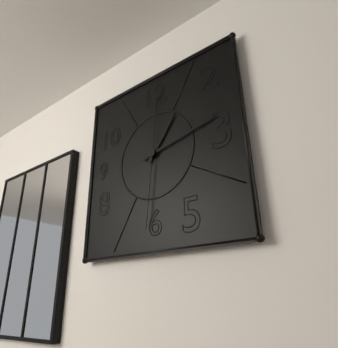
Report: h=1 m=13 s=31
